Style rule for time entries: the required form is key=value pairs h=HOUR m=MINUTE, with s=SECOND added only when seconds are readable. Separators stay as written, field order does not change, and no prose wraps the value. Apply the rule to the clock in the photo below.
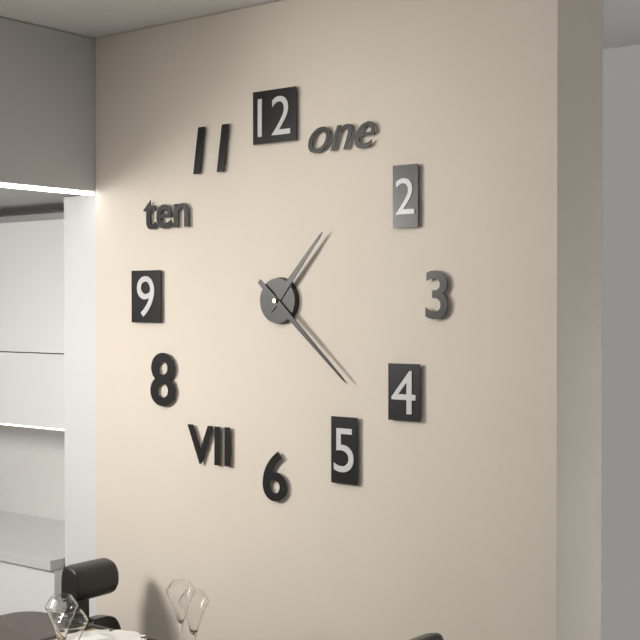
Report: h=1 m=22
